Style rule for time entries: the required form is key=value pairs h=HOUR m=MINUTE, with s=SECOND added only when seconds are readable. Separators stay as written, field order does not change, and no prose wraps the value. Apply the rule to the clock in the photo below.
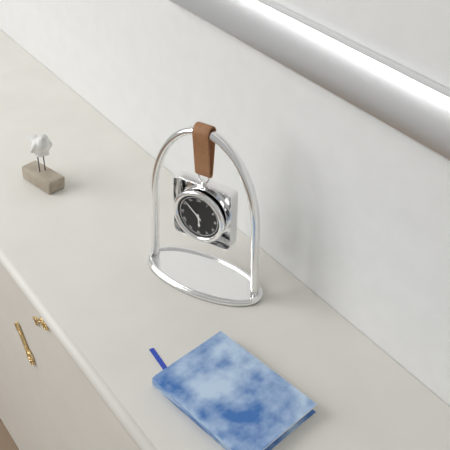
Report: h=5 m=52
